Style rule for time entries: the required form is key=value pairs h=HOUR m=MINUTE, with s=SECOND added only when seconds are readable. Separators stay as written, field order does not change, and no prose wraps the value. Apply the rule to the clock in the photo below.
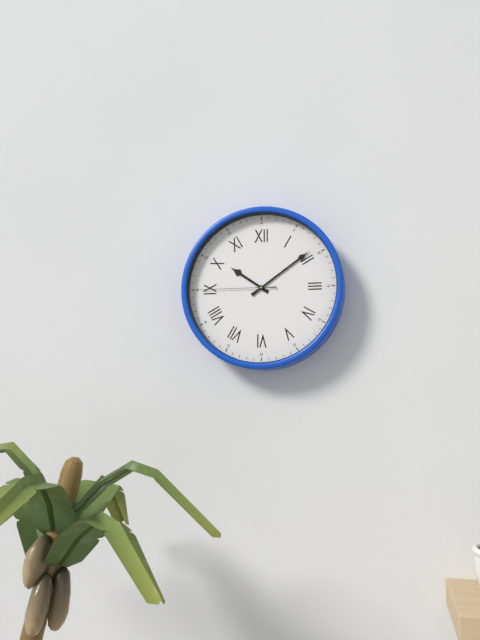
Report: h=10 m=9 s=45
